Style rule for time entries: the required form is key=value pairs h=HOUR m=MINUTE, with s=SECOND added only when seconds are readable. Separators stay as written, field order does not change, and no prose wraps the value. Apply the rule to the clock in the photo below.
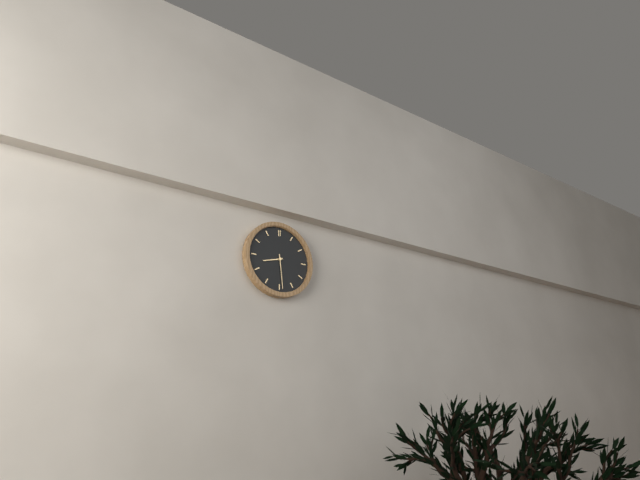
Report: h=8 m=29
